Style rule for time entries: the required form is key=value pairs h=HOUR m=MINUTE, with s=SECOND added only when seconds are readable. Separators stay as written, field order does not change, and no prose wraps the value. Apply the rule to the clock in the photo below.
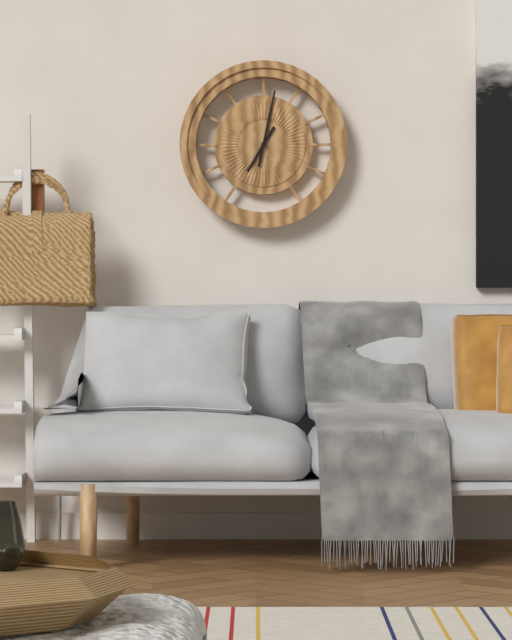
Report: h=7 m=2
